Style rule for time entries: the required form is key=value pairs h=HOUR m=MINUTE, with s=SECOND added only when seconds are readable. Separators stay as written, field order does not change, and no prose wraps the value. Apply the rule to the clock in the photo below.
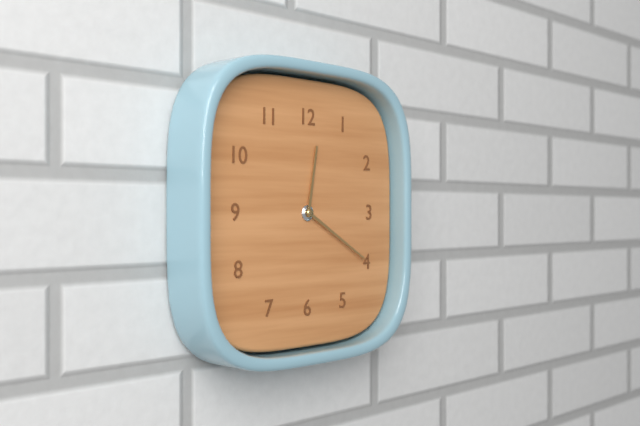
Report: h=12 m=20
